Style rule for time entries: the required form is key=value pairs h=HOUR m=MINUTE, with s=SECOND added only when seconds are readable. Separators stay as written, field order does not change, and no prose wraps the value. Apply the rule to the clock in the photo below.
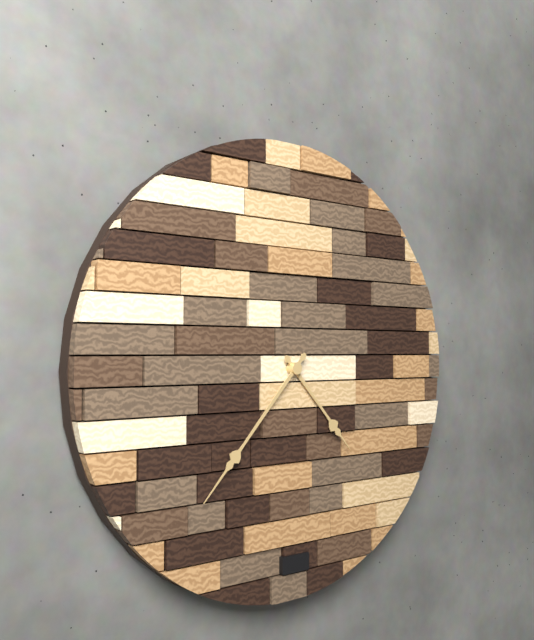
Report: h=4 m=37
